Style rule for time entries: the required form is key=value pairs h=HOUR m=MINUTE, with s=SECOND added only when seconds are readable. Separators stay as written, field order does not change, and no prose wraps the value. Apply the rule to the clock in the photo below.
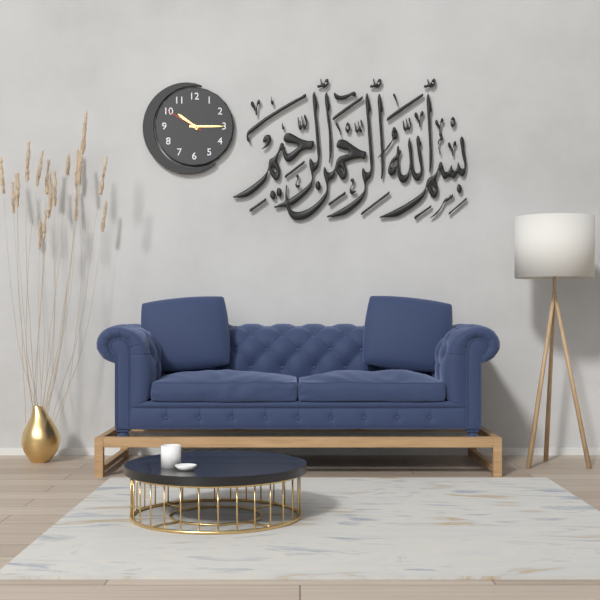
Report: h=10 m=15
